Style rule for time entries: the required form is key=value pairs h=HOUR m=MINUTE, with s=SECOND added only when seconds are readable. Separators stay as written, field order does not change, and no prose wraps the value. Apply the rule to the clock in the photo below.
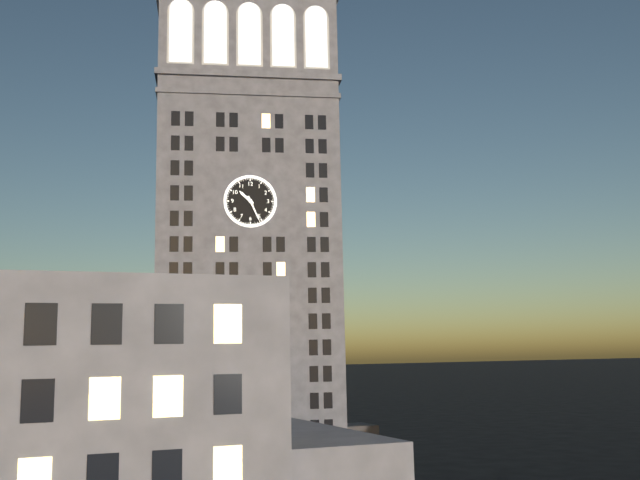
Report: h=10 m=26
